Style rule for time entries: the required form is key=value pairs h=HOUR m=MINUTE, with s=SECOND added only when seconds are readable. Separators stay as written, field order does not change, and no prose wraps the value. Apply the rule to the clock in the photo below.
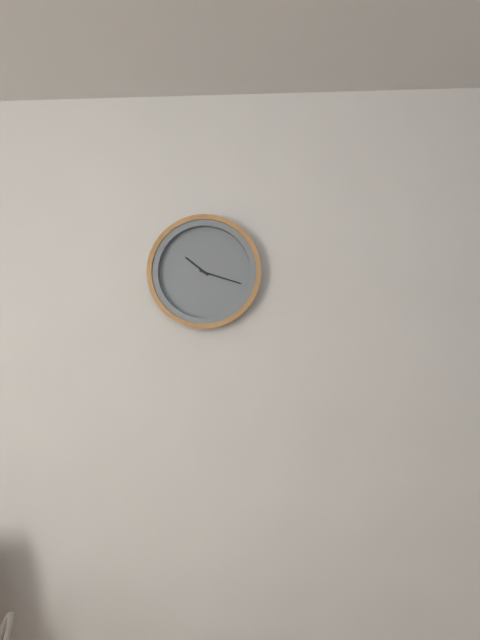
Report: h=10 m=18
